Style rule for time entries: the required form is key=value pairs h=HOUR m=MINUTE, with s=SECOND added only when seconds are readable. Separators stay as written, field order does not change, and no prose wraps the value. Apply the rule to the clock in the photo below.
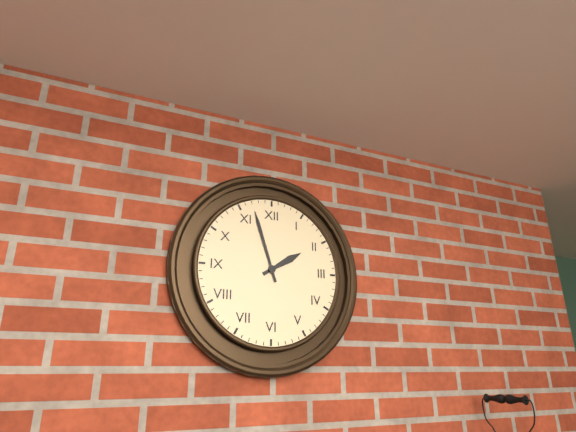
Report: h=1 m=57
